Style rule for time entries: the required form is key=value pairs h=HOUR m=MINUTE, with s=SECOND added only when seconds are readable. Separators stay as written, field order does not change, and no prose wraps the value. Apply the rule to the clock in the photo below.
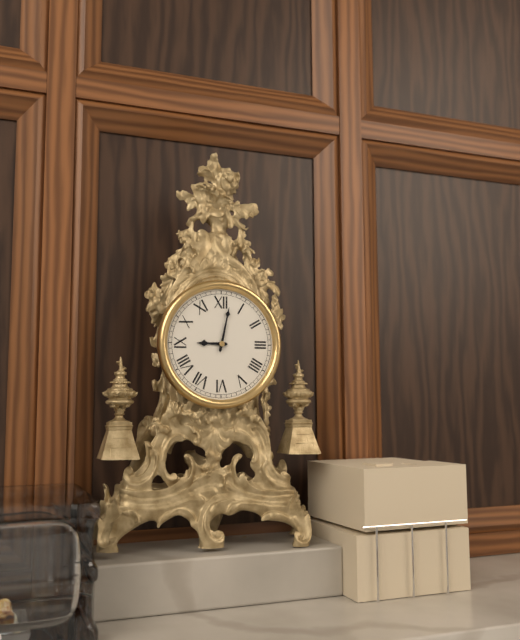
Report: h=9 m=2
